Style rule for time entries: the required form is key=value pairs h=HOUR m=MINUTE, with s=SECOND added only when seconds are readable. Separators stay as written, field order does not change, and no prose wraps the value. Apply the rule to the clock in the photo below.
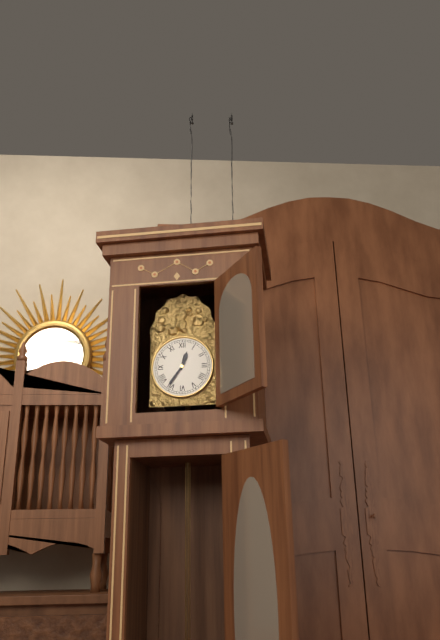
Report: h=12 m=36
